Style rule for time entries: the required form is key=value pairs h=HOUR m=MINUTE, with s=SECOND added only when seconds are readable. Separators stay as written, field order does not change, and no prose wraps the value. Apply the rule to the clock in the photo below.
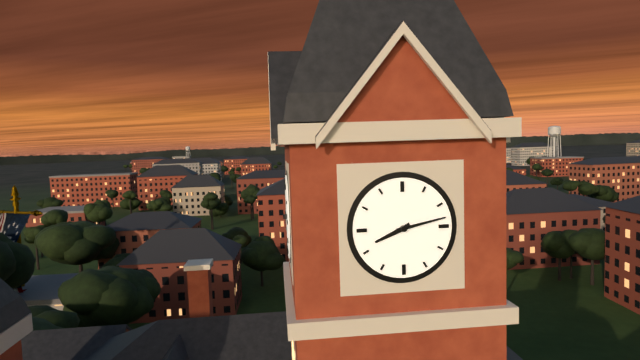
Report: h=8 m=13
